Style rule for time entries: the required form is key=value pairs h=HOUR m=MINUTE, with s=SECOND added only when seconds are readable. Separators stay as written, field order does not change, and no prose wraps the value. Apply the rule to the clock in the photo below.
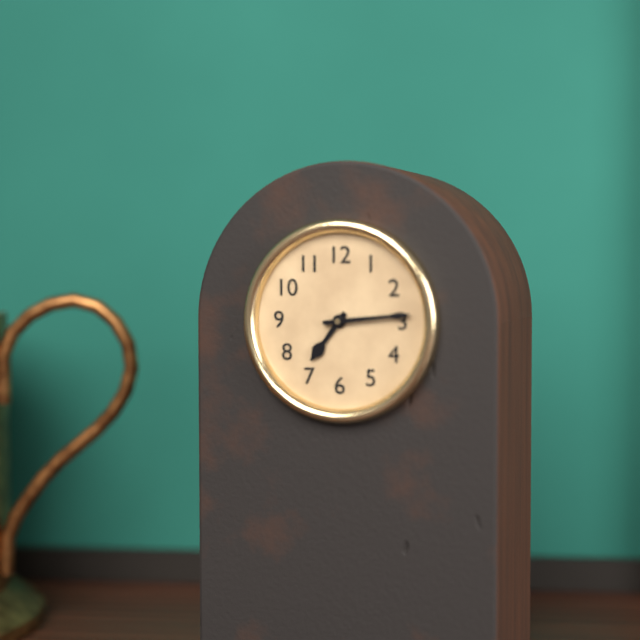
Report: h=7 m=14
